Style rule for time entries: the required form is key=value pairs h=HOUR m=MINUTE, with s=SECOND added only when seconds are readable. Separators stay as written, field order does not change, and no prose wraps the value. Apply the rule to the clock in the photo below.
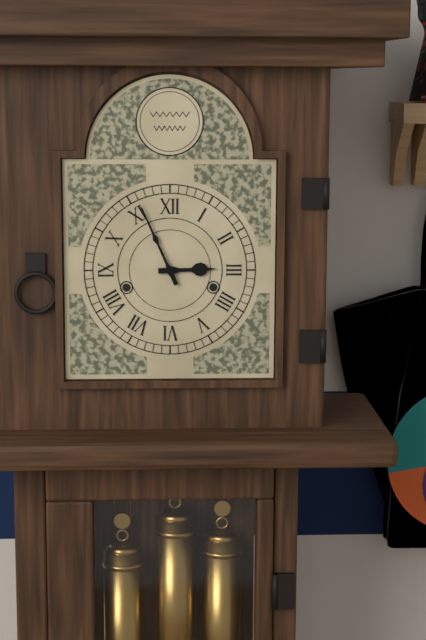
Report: h=2 m=56
